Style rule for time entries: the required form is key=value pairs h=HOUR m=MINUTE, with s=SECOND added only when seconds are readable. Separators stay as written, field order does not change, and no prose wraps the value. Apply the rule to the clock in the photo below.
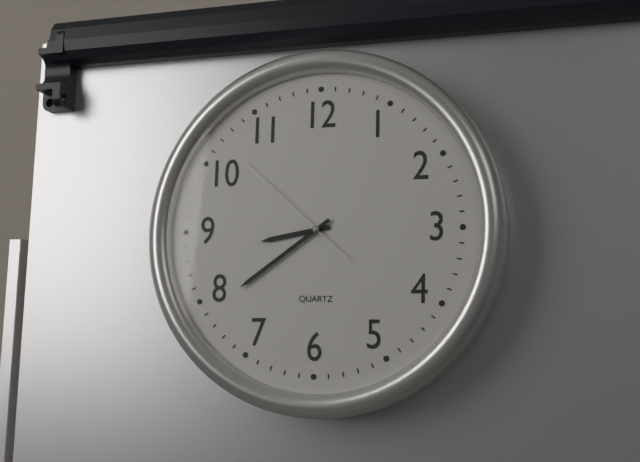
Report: h=8 m=39 s=52
